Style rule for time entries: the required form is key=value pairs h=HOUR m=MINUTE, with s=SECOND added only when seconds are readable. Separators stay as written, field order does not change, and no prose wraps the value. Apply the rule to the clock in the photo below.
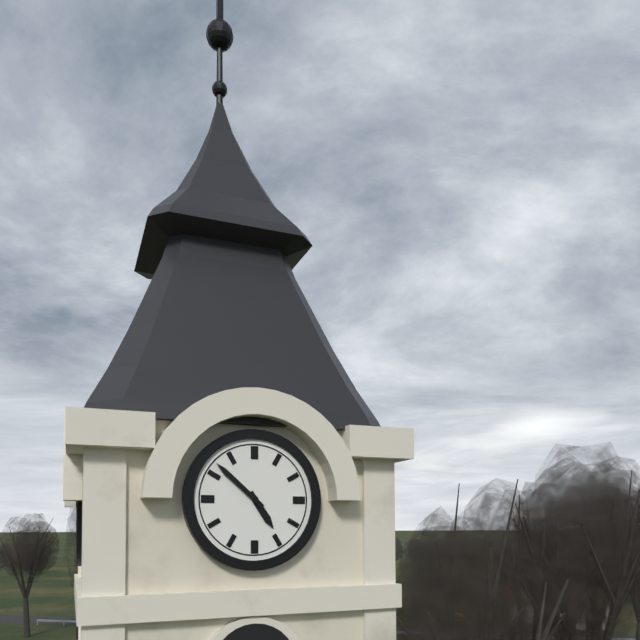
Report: h=4 m=52
